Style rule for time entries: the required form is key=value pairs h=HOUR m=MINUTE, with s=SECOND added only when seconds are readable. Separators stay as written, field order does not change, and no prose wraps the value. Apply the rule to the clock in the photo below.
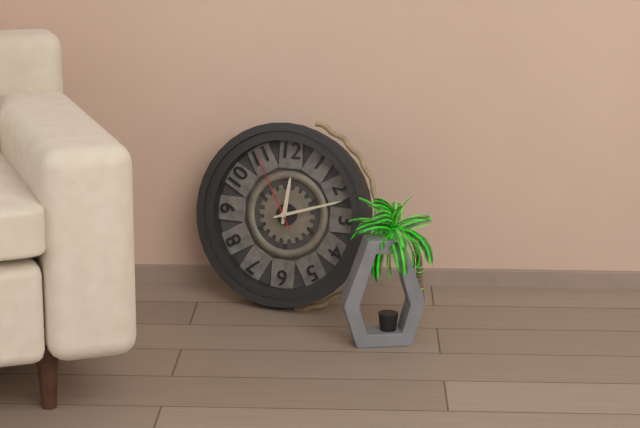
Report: h=12 m=12 s=55
